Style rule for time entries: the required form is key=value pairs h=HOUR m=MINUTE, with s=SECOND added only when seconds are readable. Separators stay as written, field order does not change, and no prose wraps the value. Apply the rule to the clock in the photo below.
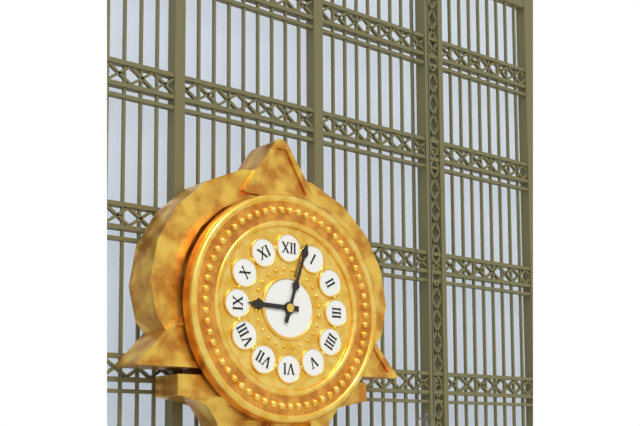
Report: h=9 m=3
